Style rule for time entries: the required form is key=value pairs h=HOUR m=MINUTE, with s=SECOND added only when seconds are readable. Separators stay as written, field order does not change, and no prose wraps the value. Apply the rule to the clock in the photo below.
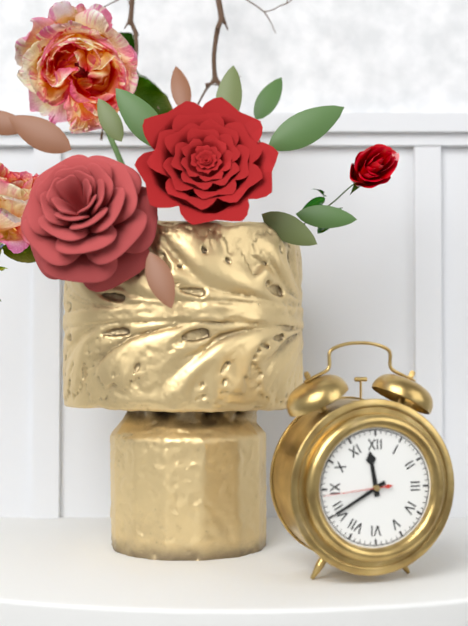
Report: h=11 m=40 s=44
